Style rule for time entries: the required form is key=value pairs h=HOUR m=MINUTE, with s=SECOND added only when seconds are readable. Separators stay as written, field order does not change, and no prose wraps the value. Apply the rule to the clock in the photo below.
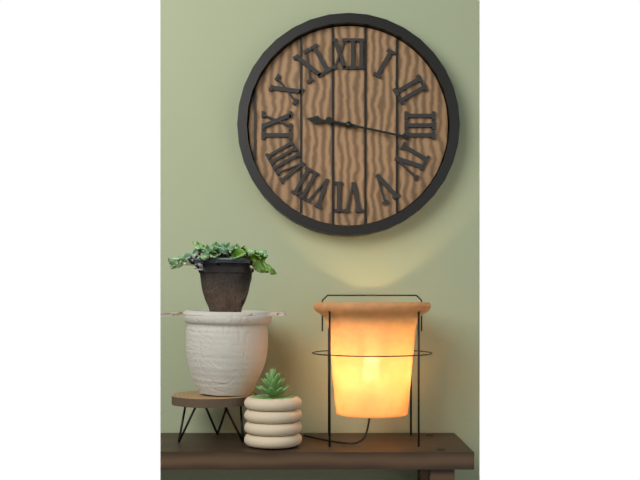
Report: h=9 m=17
